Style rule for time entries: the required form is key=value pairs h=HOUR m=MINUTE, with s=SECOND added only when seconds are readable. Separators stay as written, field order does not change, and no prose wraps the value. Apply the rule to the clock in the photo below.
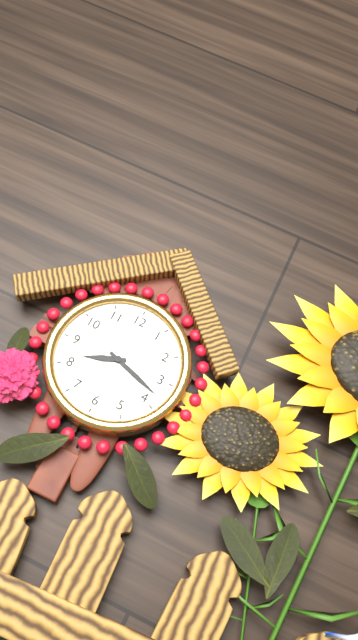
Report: h=8 m=18
